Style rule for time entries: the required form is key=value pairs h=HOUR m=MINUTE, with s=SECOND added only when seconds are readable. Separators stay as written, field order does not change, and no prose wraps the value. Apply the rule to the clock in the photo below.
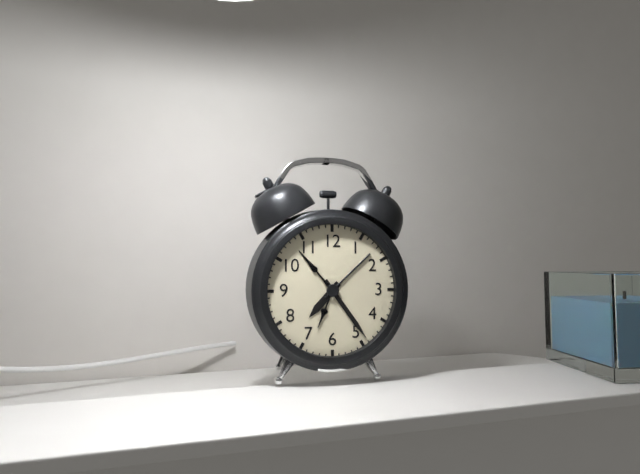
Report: h=7 m=24
